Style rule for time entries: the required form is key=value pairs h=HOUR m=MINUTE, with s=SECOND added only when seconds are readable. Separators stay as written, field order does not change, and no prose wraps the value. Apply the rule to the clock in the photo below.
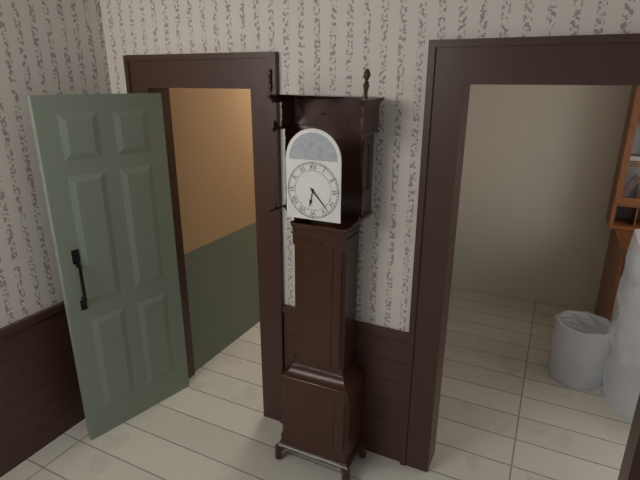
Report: h=6 m=23
